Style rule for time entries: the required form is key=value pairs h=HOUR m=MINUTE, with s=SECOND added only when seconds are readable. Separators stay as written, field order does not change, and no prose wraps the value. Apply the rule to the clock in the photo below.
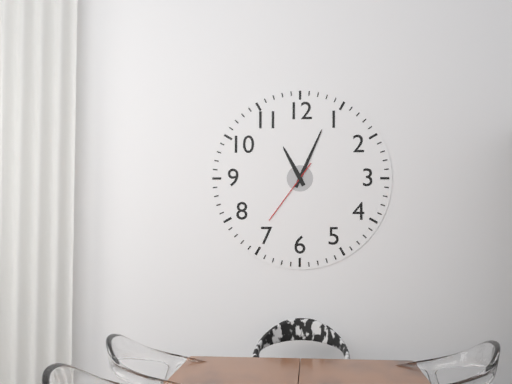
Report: h=11 m=4 s=36
